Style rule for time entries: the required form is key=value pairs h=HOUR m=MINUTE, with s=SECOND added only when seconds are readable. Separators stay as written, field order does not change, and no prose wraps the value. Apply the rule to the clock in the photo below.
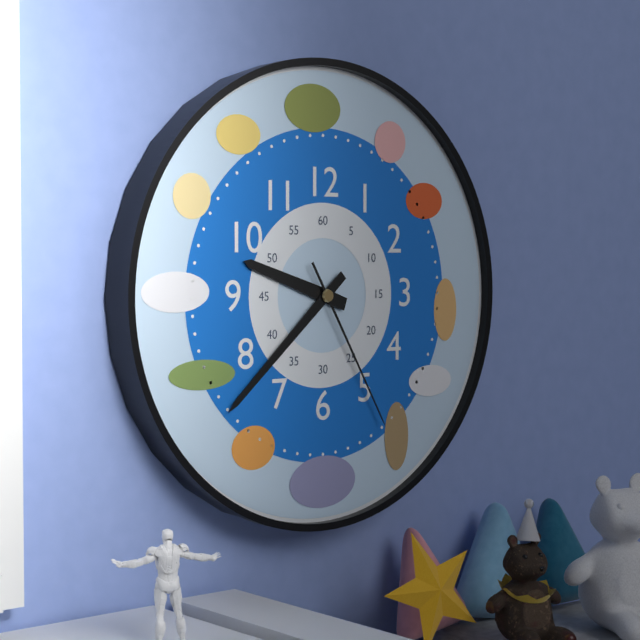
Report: h=9 m=38 s=25
